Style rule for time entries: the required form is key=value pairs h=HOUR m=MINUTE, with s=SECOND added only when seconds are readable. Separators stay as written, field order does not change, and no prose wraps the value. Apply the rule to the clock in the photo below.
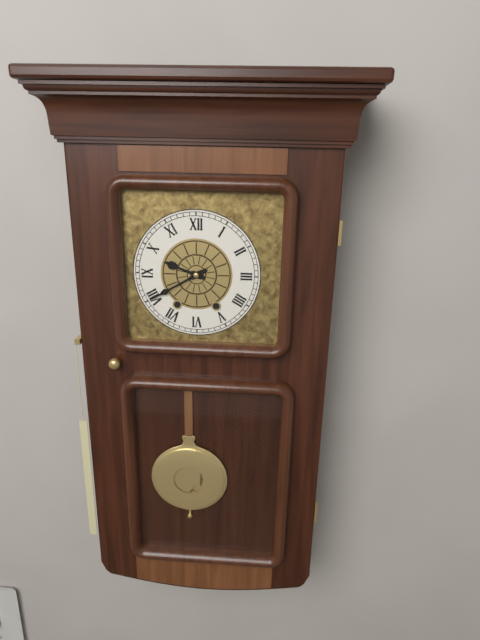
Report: h=9 m=40
